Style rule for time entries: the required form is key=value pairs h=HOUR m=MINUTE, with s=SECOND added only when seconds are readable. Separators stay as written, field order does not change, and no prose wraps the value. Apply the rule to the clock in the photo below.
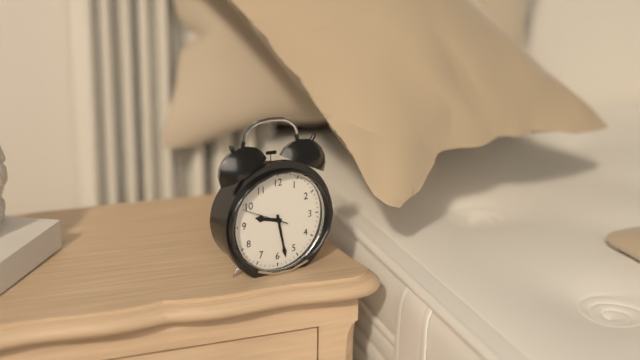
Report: h=9 m=28
